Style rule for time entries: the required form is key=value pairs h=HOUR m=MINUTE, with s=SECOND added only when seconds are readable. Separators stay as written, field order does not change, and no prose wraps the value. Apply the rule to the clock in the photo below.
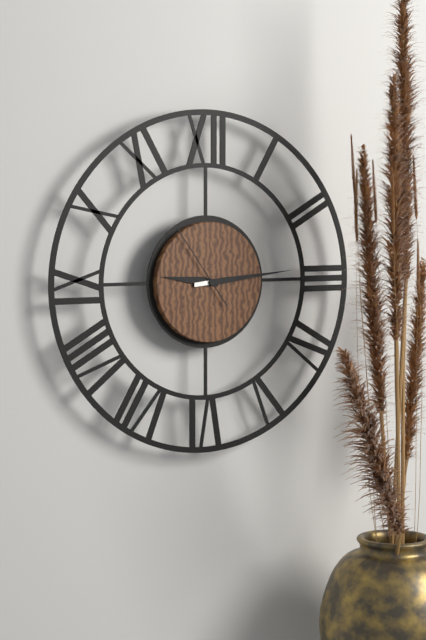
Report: h=9 m=14 s=54
